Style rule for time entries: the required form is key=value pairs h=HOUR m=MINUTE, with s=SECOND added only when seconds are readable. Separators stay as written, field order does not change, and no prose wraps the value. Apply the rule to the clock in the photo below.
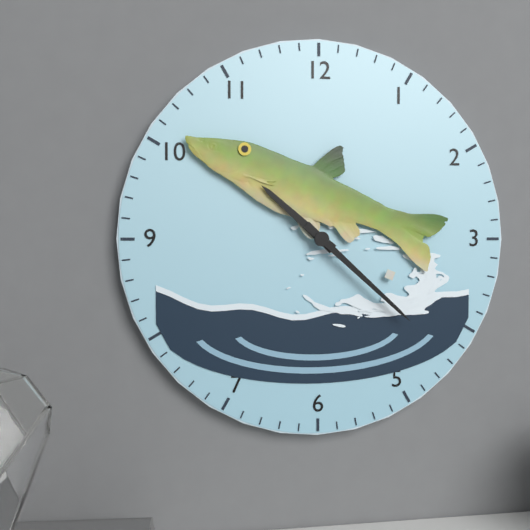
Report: h=10 m=22
